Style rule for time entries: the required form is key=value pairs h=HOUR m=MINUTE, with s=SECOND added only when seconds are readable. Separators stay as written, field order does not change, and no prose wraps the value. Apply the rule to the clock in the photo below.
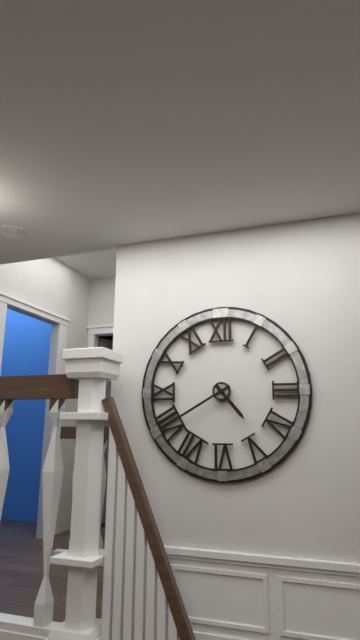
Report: h=4 m=40
